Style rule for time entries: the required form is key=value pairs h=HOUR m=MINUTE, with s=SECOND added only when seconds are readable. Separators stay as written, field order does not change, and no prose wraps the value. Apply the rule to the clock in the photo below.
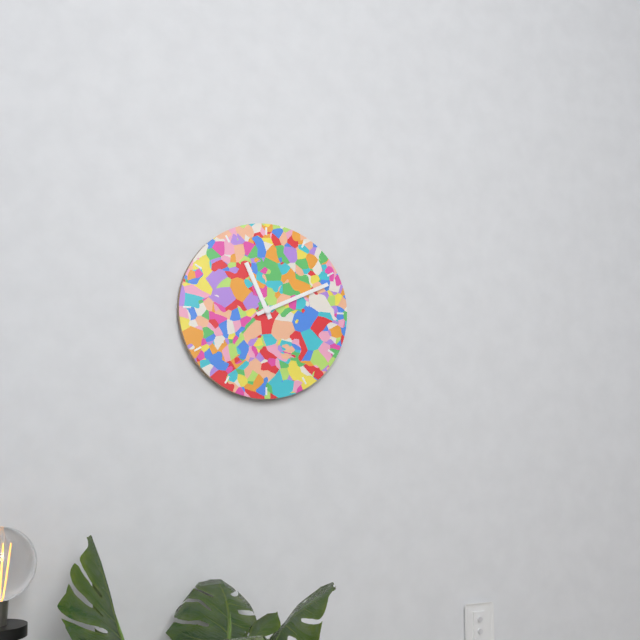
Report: h=11 m=11
